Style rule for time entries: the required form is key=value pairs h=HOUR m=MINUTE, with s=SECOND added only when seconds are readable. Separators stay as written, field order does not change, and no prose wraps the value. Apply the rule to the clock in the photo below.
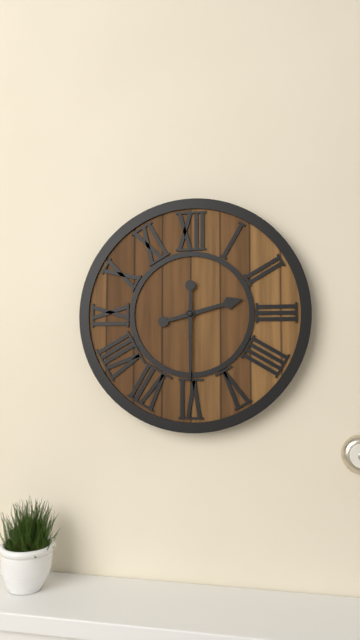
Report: h=2 m=30
